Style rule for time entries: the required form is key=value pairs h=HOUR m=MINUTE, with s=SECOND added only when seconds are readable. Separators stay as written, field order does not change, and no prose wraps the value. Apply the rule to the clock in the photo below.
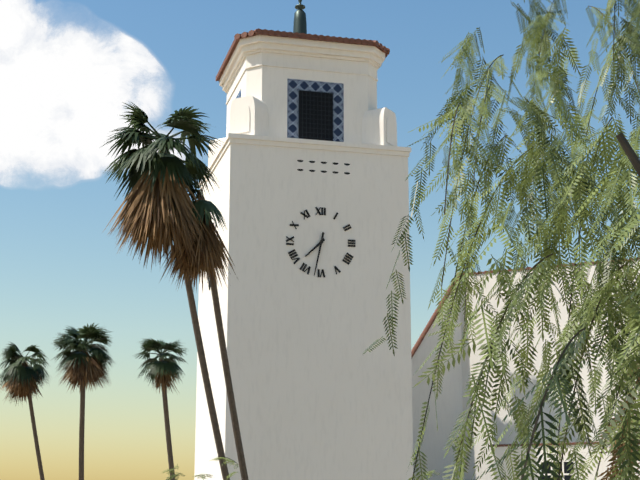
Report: h=7 m=32
